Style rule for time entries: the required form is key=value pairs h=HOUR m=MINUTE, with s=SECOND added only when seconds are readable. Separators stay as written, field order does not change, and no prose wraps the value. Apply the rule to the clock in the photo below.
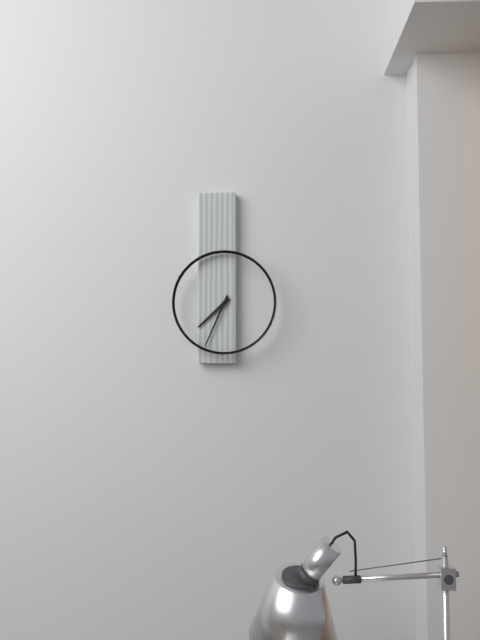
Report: h=7 m=34
